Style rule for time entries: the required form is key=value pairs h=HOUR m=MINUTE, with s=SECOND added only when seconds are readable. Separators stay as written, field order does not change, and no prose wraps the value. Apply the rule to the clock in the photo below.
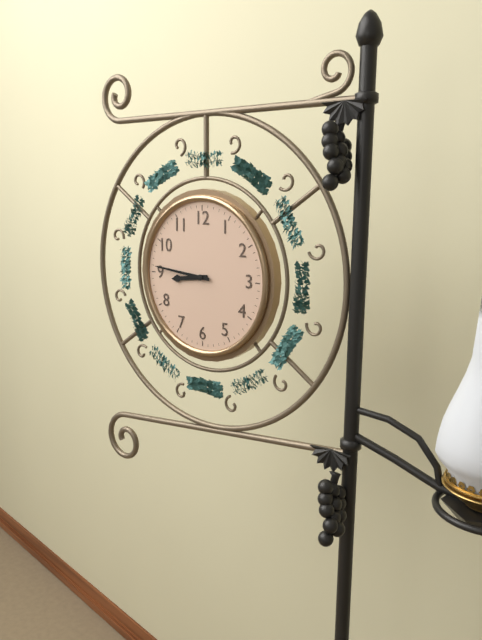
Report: h=8 m=46
